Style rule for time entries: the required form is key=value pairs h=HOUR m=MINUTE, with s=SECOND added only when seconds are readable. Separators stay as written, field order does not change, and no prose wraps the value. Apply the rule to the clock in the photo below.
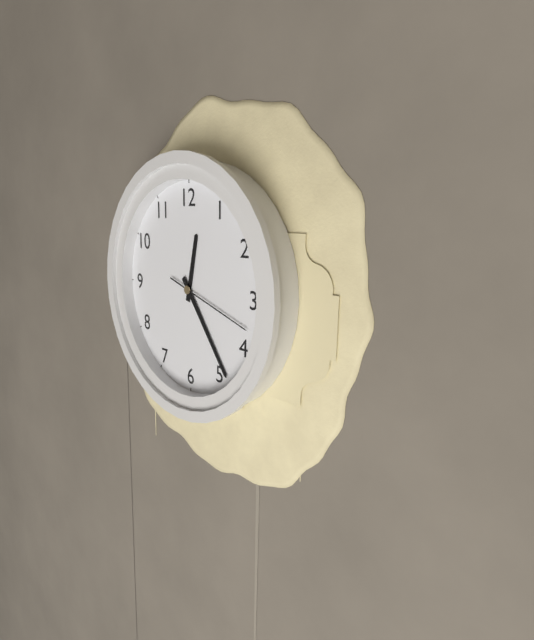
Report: h=12 m=24 s=18
